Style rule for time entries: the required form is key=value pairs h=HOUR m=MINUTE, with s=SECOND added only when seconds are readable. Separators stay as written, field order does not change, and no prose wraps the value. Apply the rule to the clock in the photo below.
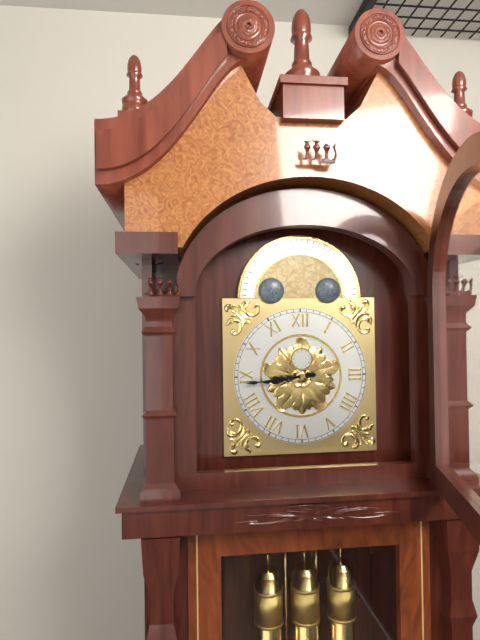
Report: h=8 m=44
